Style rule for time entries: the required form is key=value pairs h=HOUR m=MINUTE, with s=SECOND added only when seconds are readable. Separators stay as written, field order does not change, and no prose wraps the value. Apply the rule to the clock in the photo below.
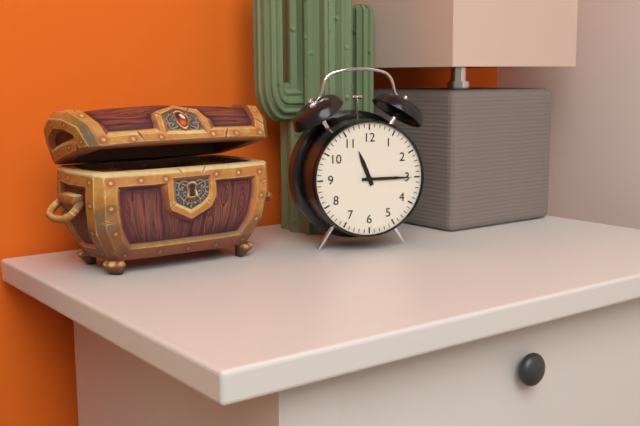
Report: h=11 m=15
